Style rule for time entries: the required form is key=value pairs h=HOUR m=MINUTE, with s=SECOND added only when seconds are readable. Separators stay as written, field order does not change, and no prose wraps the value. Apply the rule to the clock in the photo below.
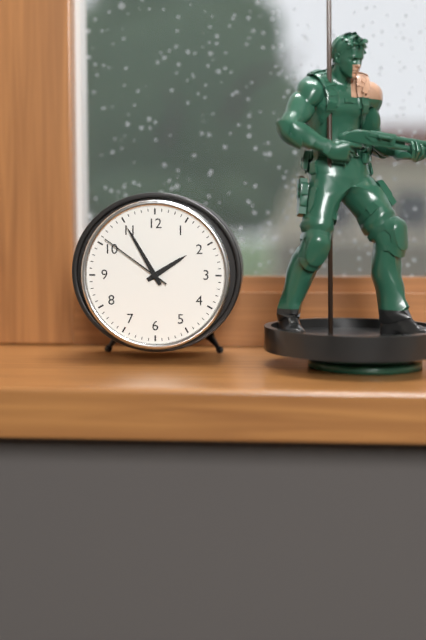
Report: h=1 m=55 s=51
